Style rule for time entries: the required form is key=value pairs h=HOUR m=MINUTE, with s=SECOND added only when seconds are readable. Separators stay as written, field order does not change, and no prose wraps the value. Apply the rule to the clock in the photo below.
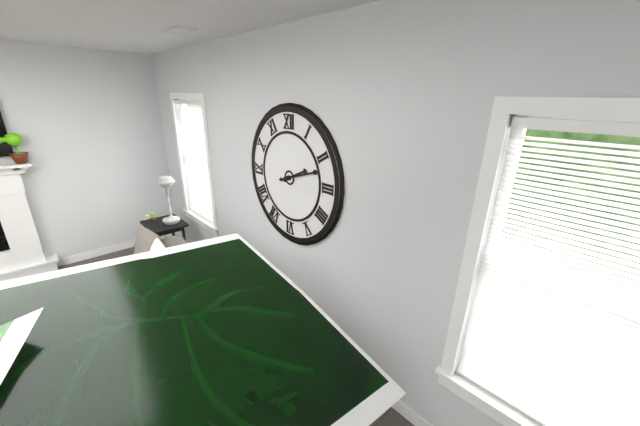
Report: h=2 m=12
